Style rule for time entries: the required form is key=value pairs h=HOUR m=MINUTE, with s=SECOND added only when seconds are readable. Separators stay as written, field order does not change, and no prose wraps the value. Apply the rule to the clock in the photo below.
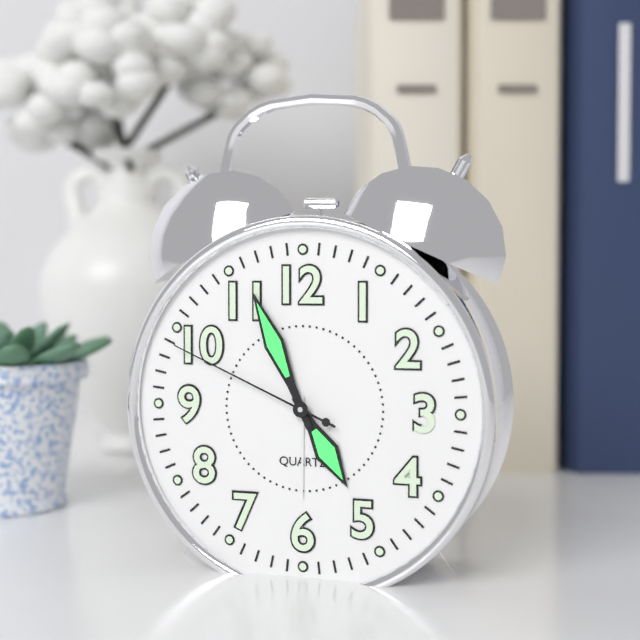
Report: h=4 m=56 s=49
